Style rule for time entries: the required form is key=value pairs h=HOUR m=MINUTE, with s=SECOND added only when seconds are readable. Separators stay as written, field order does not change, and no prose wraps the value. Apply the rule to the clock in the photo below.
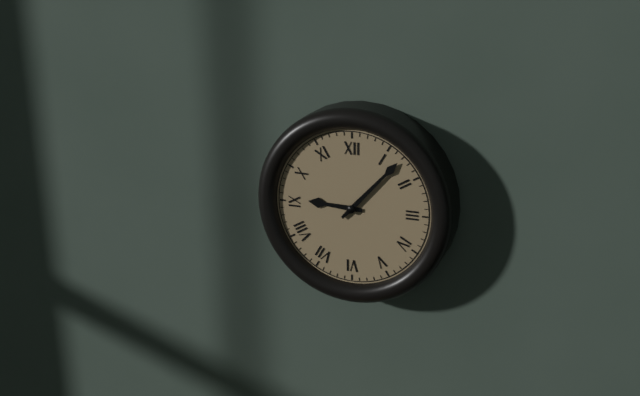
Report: h=9 m=7
